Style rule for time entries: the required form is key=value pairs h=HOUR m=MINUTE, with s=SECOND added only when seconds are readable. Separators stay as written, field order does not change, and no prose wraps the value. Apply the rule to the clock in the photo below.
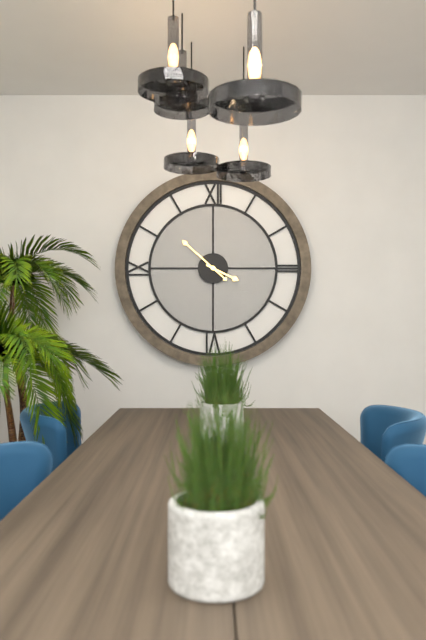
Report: h=3 m=52
